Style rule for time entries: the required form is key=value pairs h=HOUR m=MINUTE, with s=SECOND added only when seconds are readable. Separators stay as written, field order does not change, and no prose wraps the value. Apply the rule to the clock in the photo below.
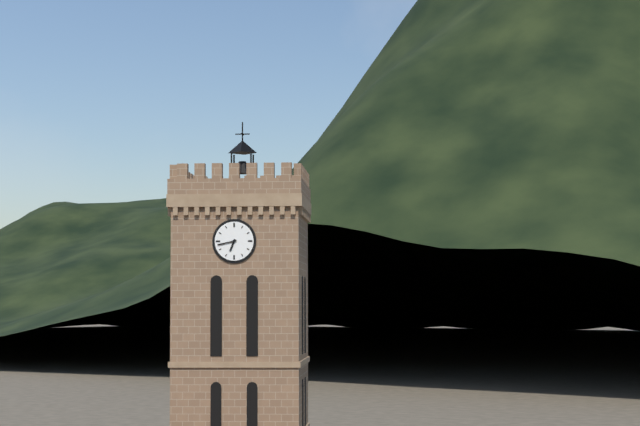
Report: h=6 m=43
